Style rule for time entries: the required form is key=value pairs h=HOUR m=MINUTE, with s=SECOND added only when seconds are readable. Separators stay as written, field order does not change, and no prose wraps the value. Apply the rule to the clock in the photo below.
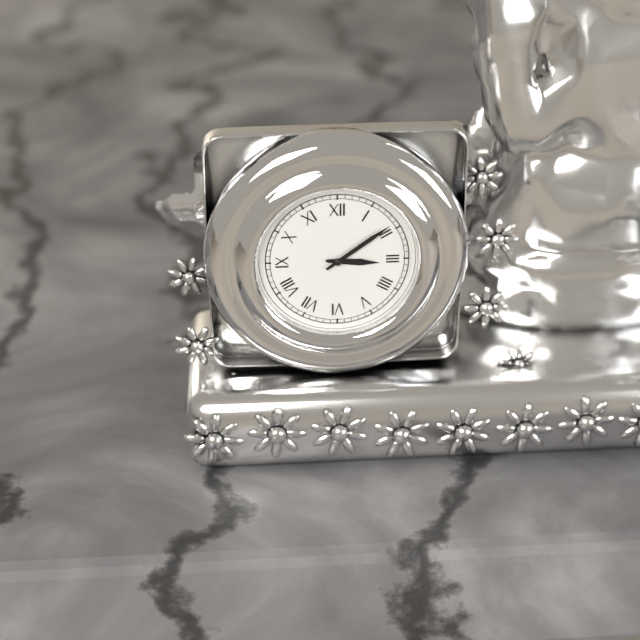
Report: h=3 m=9
